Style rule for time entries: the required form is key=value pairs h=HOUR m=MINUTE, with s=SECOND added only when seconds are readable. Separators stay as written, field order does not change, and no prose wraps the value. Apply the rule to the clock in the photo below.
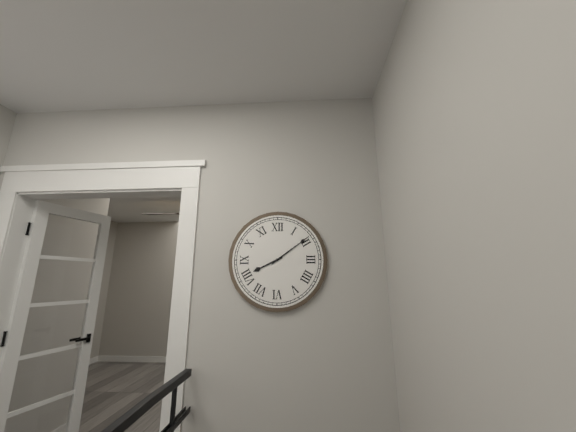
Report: h=8 m=9
